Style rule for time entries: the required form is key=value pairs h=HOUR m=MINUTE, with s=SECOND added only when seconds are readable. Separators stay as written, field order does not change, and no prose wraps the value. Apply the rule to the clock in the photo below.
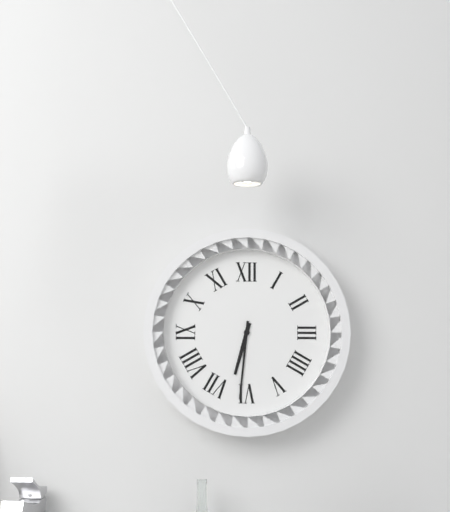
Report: h=6 m=31
